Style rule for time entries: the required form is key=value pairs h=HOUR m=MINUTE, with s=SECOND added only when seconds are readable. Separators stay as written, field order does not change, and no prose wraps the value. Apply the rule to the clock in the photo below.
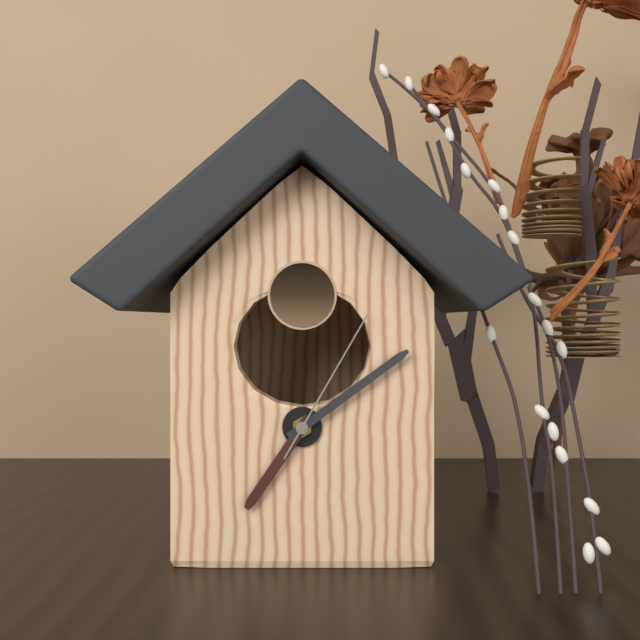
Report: h=7 m=9 s=5
